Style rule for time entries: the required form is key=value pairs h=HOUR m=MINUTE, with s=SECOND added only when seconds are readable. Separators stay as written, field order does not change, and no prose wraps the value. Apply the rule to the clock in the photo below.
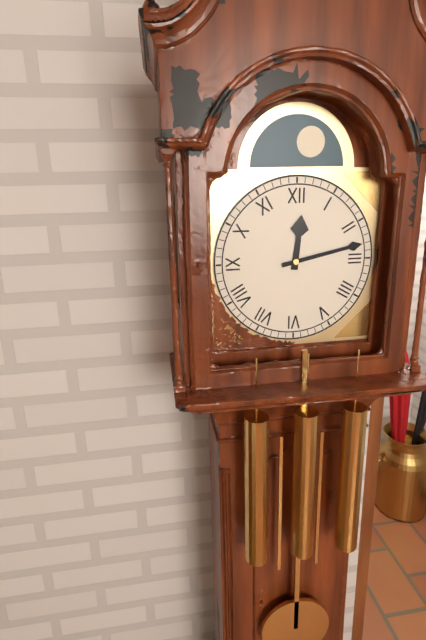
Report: h=12 m=13
